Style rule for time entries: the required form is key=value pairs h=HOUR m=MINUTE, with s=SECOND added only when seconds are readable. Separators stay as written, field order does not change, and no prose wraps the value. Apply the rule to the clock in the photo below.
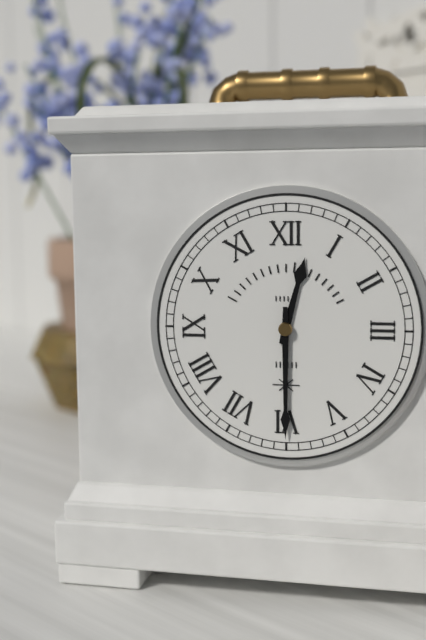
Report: h=12 m=30
